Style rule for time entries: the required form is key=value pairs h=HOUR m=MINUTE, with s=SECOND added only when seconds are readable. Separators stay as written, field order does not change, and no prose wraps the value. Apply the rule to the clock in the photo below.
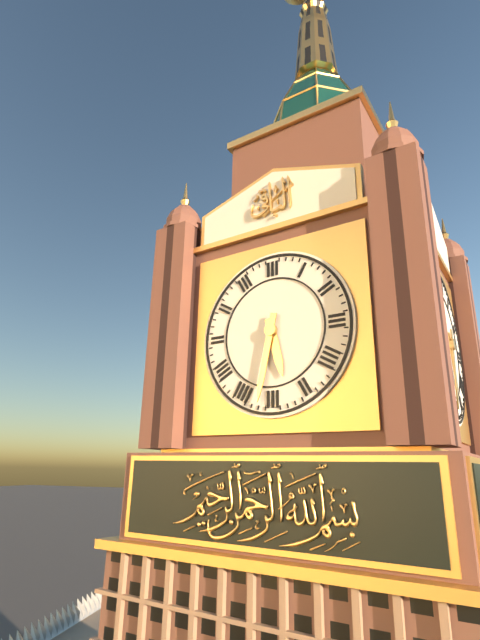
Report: h=5 m=32
